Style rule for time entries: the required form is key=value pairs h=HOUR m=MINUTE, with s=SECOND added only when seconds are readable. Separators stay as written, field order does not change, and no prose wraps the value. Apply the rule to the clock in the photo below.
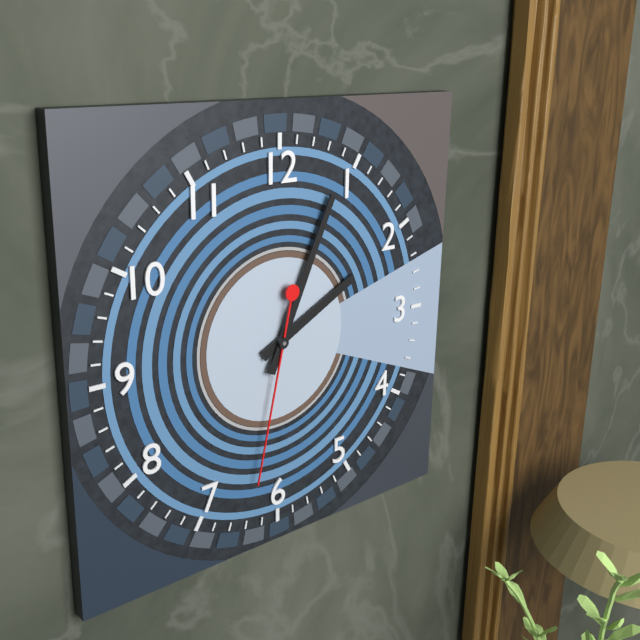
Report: h=2 m=4 s=32
